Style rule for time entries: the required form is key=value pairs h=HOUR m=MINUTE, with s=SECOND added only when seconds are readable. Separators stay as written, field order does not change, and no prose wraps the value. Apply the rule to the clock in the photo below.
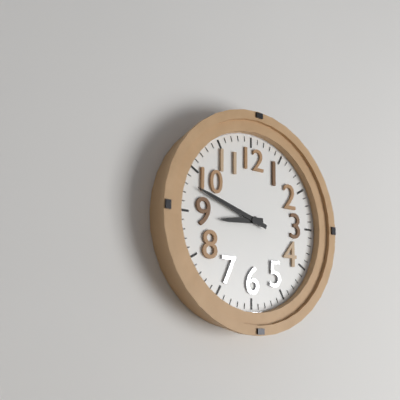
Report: h=8 m=48
